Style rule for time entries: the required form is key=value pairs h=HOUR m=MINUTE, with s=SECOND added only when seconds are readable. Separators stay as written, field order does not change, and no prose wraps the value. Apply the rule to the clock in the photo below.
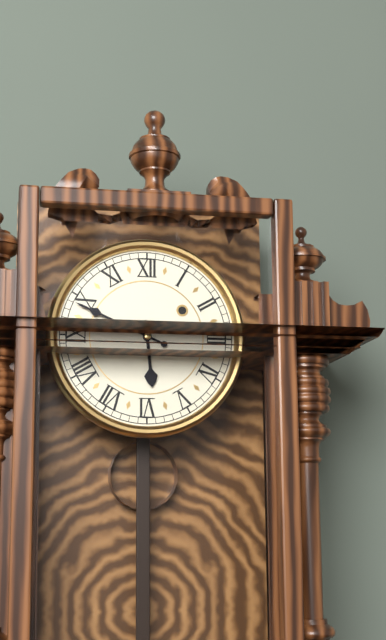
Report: h=5 m=49
